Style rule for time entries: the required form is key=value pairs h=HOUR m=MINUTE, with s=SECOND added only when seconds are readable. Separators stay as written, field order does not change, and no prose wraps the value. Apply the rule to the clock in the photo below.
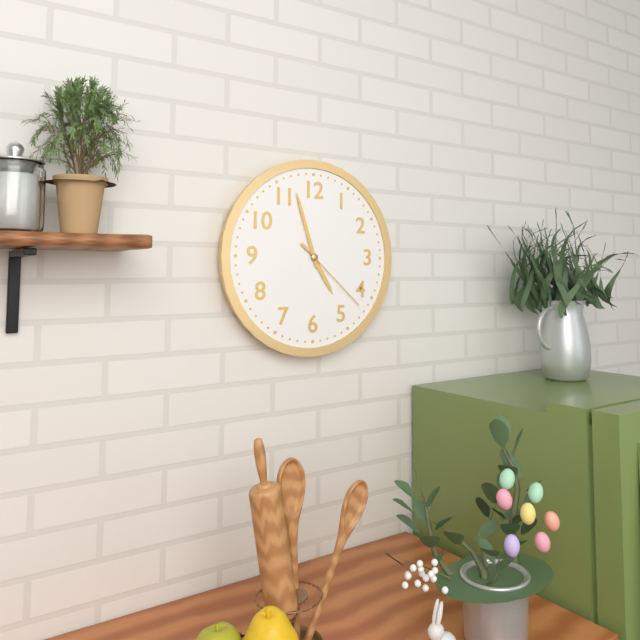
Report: h=4 m=57 s=22
